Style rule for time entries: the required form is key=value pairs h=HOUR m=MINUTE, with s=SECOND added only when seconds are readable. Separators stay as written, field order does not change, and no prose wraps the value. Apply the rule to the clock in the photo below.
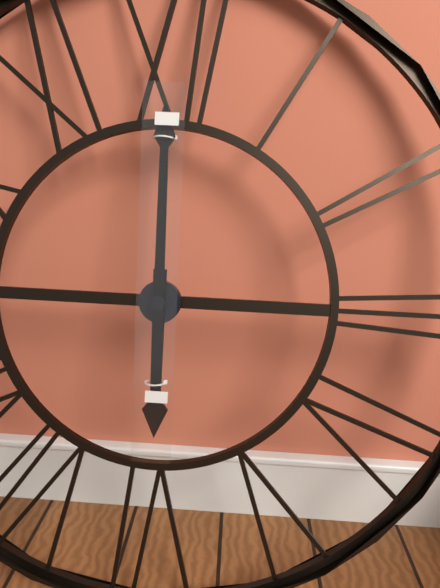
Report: h=6 m=0
